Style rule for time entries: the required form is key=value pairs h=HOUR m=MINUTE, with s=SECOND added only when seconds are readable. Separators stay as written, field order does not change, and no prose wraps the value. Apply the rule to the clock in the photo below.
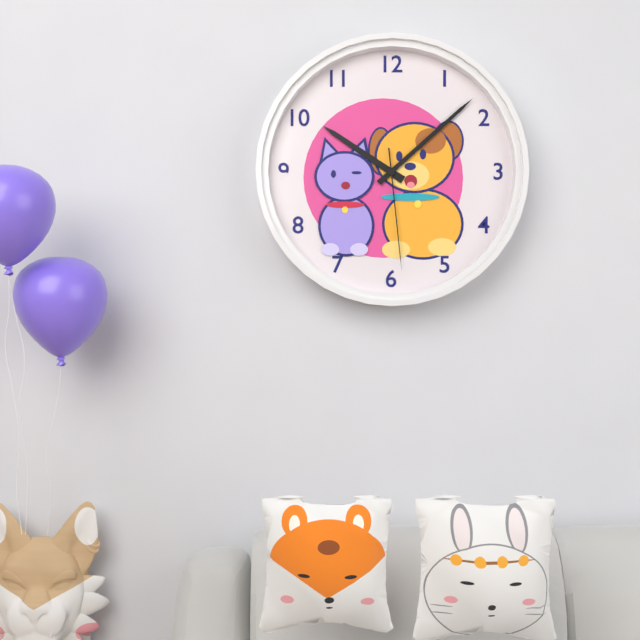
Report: h=10 m=8 s=29
